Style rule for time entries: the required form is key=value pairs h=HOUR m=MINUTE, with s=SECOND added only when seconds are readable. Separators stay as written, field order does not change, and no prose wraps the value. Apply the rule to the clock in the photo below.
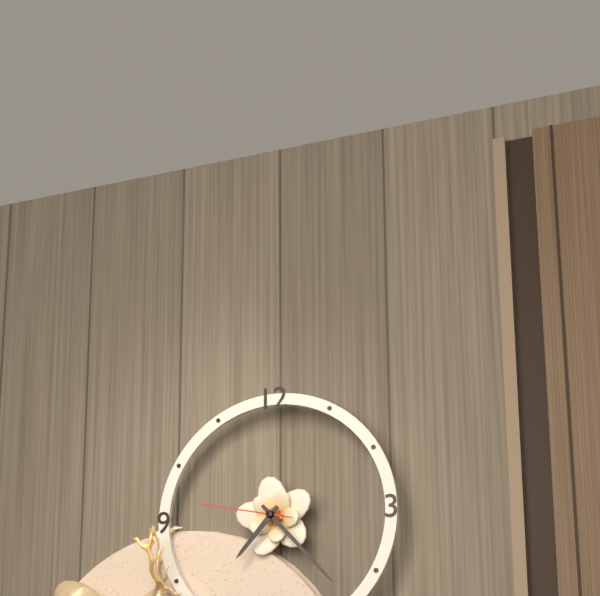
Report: h=7 m=23 s=47
